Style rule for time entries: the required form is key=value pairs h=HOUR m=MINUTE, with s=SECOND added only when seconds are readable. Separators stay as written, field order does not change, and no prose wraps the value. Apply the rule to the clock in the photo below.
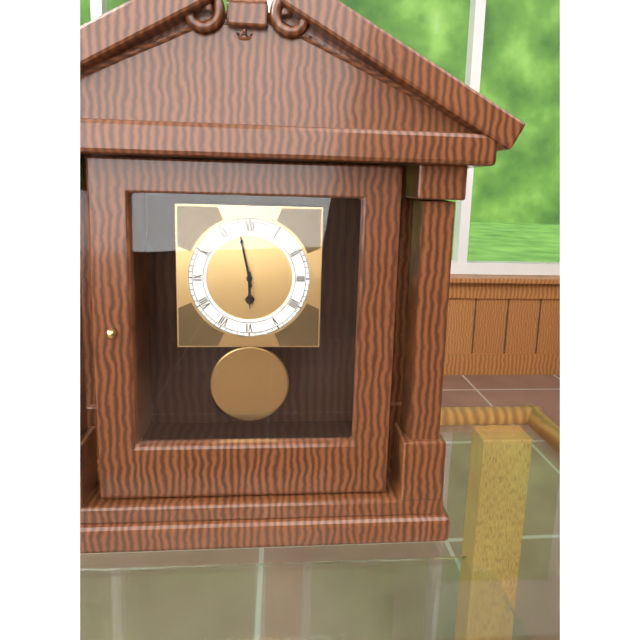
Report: h=5 m=58
